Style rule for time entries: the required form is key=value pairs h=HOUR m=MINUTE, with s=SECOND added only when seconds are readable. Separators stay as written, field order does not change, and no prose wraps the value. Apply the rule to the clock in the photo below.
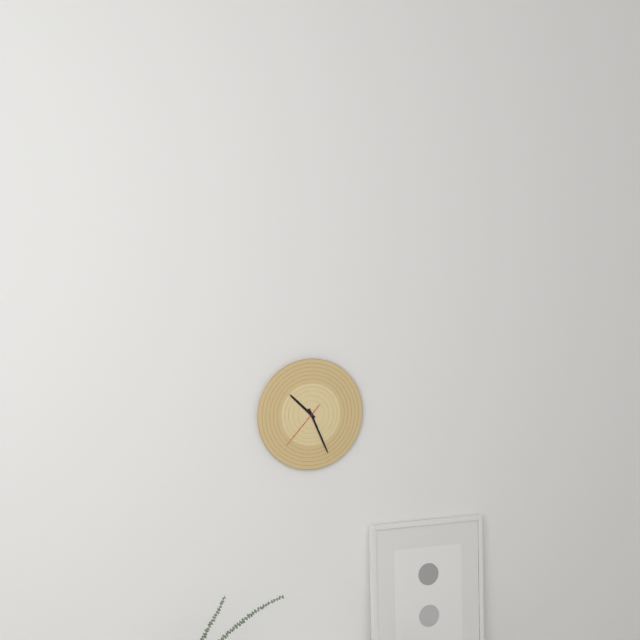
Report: h=10 m=26
